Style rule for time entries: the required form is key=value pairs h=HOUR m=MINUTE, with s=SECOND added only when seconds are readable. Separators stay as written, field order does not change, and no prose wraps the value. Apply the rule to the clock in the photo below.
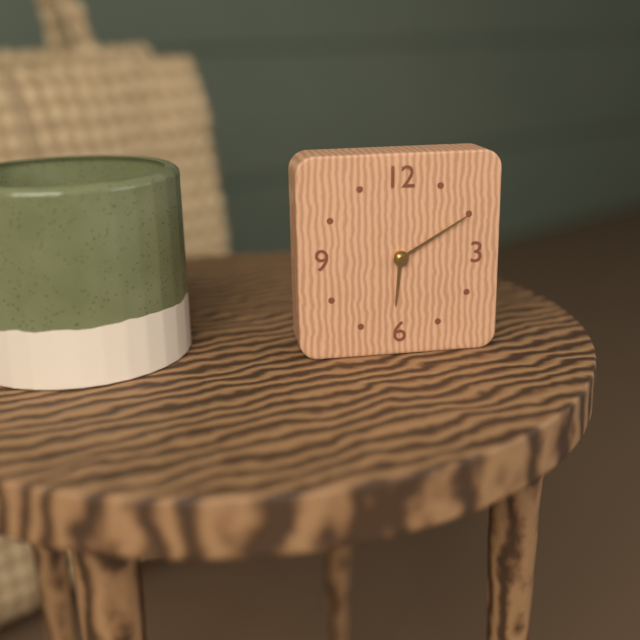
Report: h=6 m=10
